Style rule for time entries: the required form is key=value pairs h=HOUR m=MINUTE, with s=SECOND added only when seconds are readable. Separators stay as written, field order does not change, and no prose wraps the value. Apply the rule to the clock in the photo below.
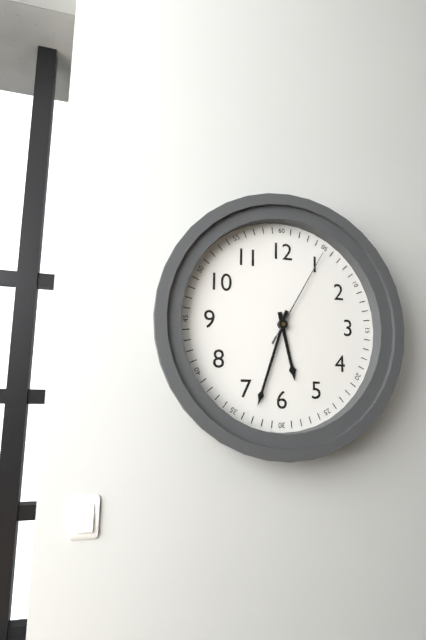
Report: h=5 m=33 s=5
